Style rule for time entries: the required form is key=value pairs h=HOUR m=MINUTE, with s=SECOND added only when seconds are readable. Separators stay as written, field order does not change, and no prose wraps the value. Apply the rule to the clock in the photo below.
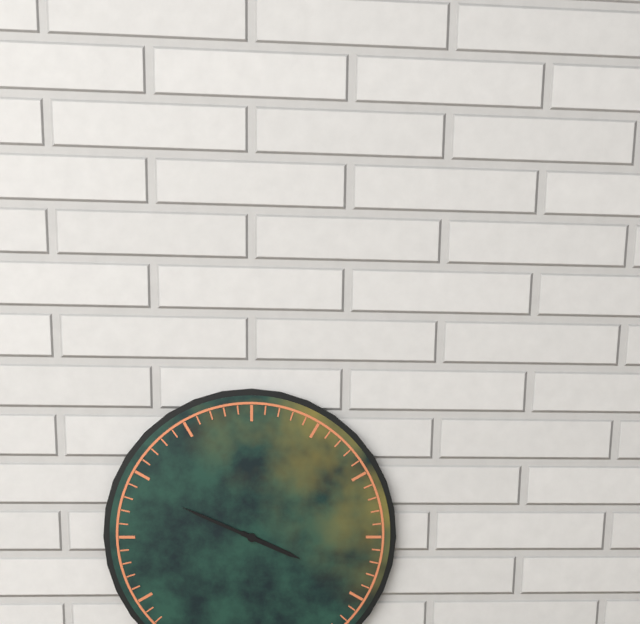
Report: h=3 m=49
